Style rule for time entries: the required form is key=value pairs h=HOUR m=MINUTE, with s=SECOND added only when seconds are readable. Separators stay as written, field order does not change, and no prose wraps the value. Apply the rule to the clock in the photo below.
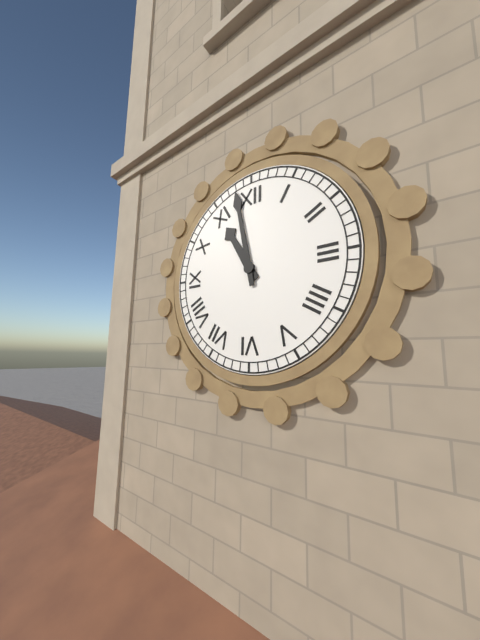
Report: h=10 m=58
